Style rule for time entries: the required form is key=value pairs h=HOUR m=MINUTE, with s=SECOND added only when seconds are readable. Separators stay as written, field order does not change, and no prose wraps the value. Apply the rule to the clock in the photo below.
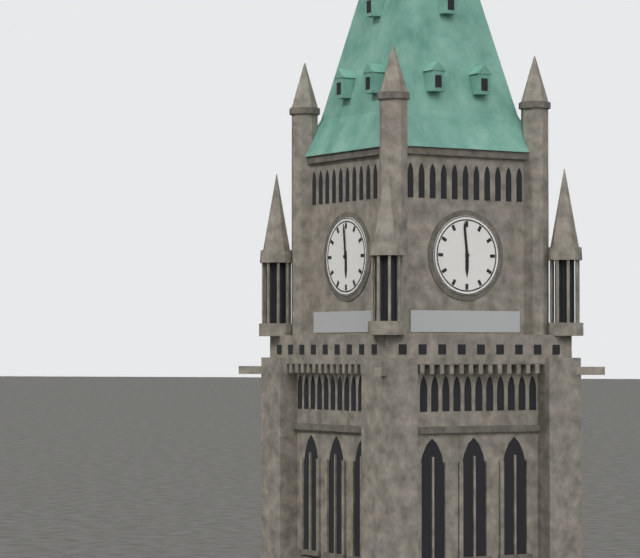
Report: h=5 m=59
